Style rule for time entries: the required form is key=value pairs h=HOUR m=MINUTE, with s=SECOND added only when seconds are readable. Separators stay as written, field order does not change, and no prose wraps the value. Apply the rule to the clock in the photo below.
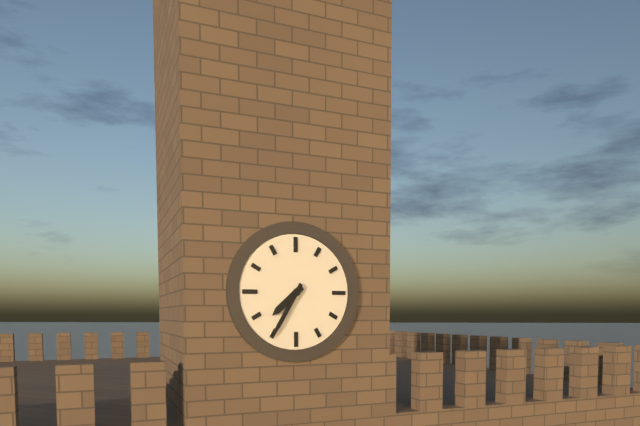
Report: h=7 m=35
